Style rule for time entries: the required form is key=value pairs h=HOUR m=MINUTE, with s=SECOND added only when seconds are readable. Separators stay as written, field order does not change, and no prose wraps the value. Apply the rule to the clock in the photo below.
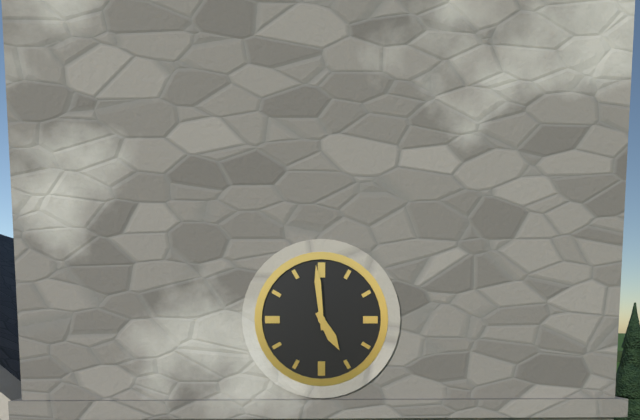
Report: h=4 m=59
